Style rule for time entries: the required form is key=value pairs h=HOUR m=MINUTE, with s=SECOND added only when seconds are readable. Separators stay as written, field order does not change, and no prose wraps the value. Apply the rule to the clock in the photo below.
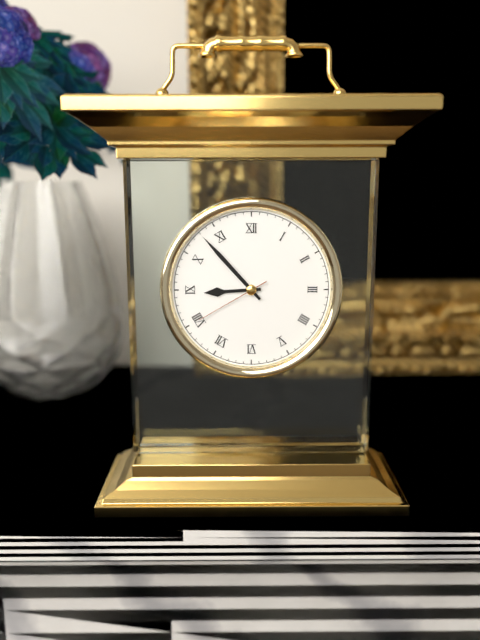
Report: h=8 m=53 s=40
